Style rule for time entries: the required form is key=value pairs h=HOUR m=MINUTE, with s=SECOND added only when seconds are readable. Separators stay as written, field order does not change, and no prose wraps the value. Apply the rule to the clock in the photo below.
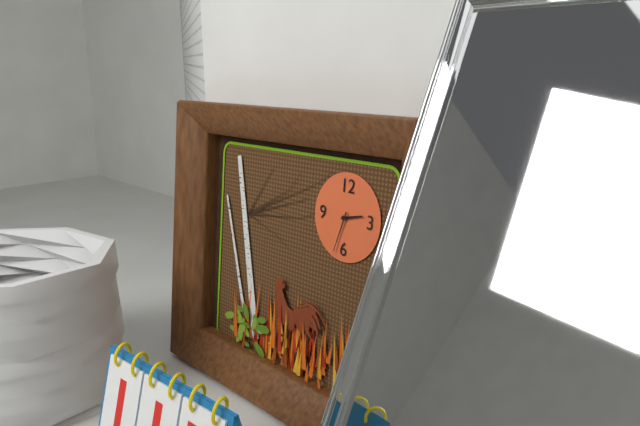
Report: h=2 m=33
